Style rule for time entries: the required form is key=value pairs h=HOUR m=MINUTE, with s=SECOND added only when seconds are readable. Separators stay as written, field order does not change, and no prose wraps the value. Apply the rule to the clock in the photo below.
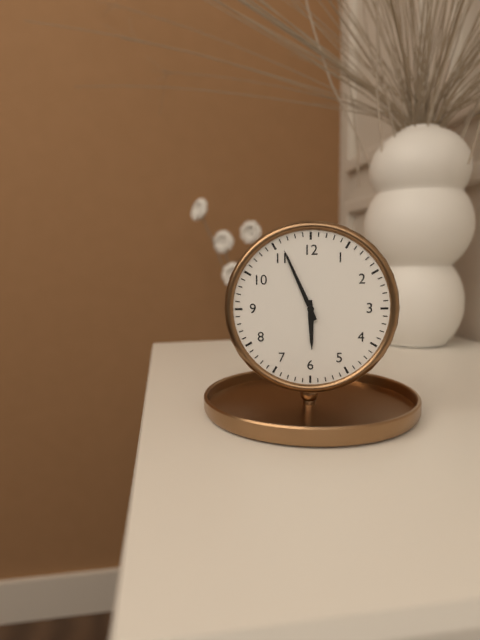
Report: h=5 m=56
